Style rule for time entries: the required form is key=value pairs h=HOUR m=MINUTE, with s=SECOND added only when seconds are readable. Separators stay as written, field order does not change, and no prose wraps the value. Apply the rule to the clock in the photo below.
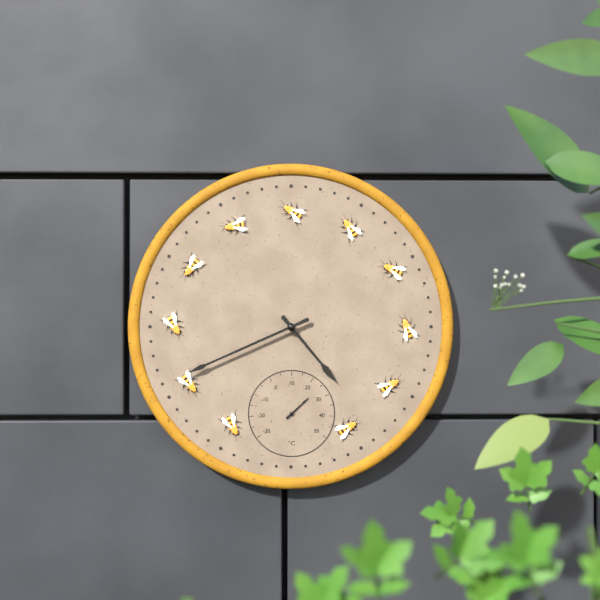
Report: h=4 m=41
